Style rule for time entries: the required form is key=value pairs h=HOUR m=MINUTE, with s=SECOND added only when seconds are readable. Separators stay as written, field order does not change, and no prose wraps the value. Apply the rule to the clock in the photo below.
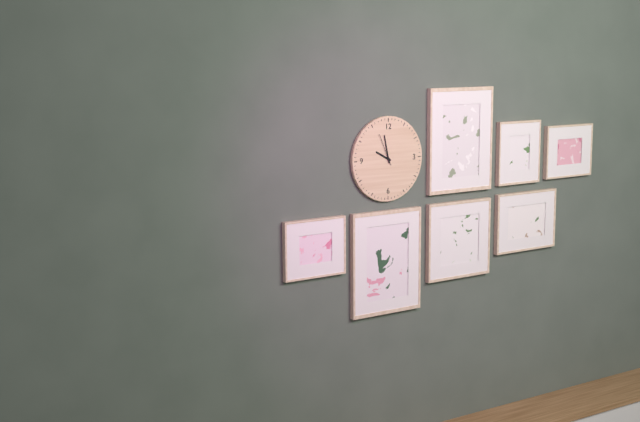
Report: h=9 m=58
